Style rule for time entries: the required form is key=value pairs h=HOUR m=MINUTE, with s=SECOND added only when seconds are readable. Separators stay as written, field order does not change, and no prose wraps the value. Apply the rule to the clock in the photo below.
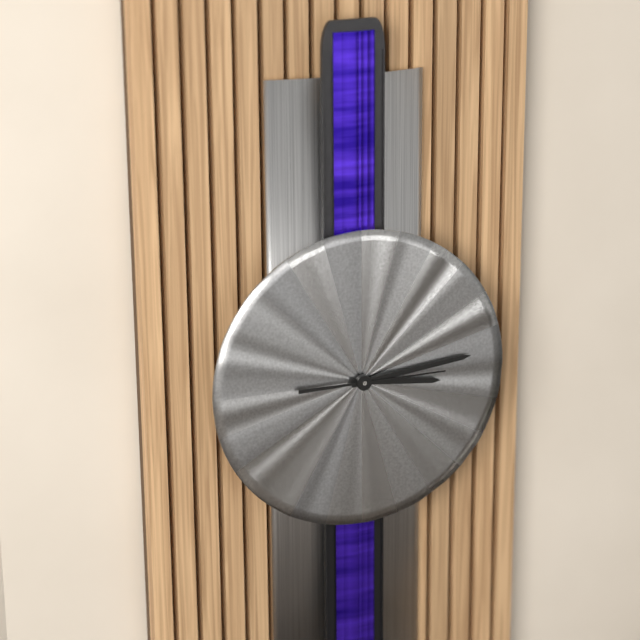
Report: h=3 m=14 s=15
